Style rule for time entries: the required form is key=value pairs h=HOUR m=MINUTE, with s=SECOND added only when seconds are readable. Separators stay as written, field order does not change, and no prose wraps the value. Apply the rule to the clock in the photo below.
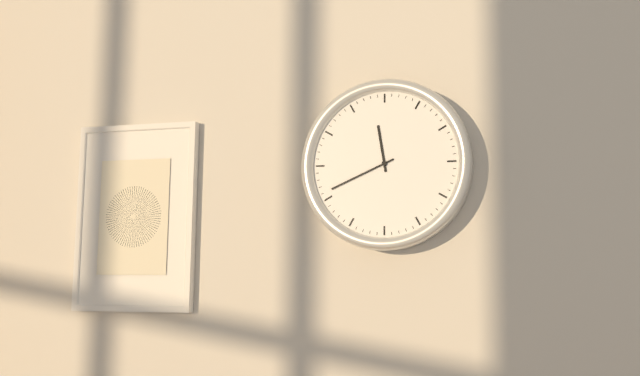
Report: h=11 m=41
